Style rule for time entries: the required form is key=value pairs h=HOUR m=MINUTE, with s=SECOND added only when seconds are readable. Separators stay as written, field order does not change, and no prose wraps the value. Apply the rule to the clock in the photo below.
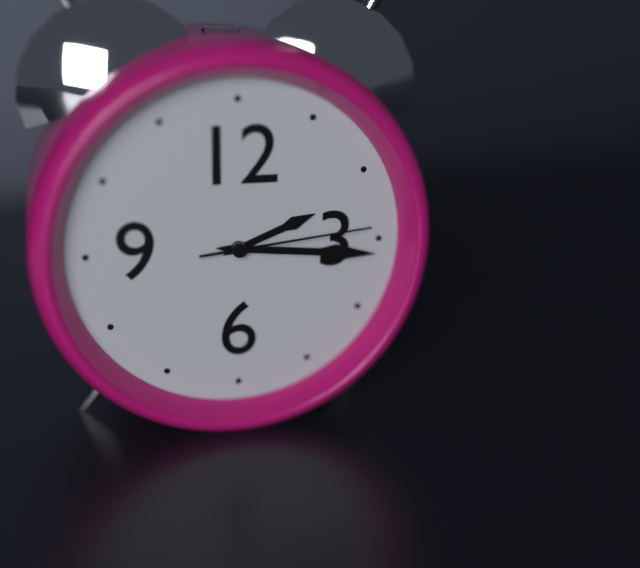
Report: h=2 m=16 s=14
